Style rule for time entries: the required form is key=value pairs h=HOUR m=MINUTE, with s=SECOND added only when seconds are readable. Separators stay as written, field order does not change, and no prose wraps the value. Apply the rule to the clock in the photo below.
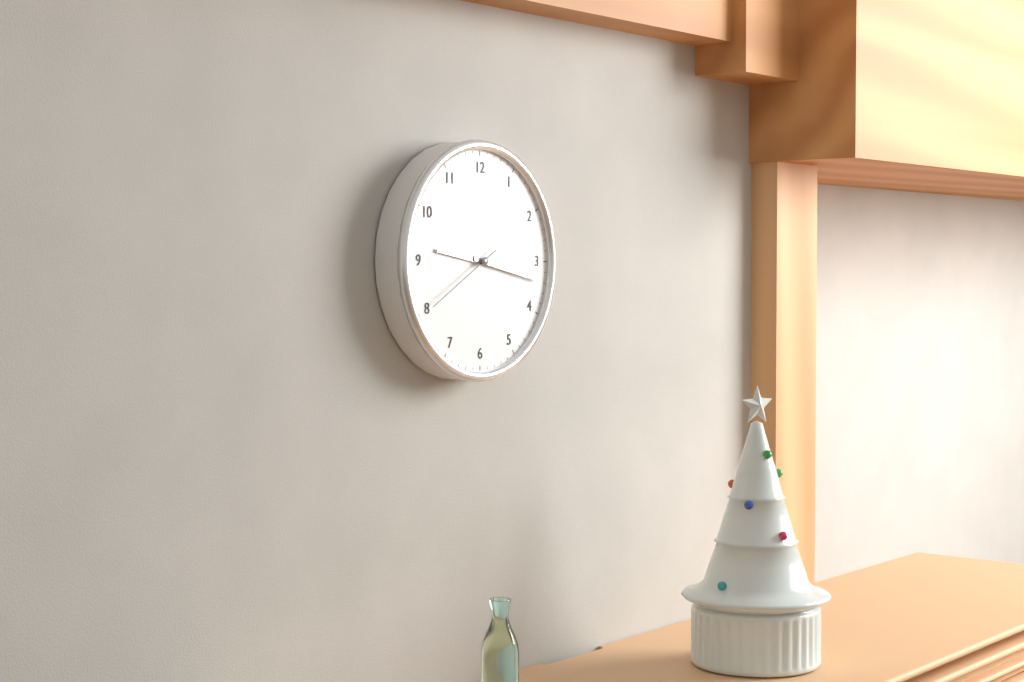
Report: h=9 m=17 s=40
